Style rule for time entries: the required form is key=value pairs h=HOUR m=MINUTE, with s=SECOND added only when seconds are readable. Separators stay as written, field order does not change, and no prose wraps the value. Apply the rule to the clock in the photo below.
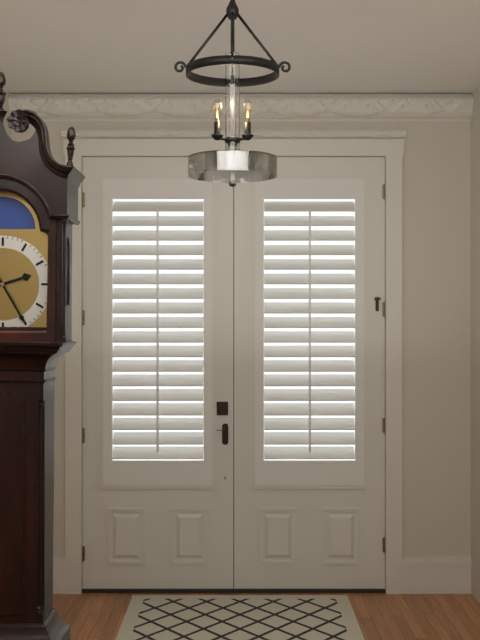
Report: h=2 m=25
